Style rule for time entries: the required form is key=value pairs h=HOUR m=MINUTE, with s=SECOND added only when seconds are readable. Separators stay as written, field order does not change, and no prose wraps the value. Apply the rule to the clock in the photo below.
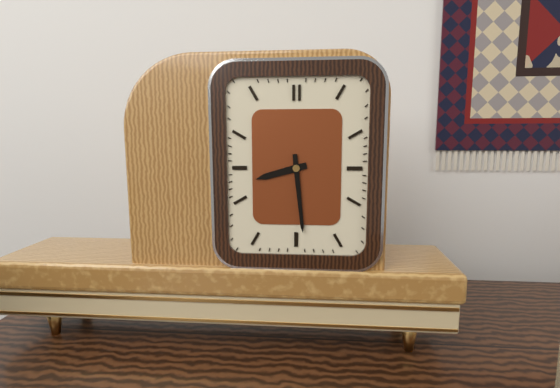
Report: h=8 m=29
